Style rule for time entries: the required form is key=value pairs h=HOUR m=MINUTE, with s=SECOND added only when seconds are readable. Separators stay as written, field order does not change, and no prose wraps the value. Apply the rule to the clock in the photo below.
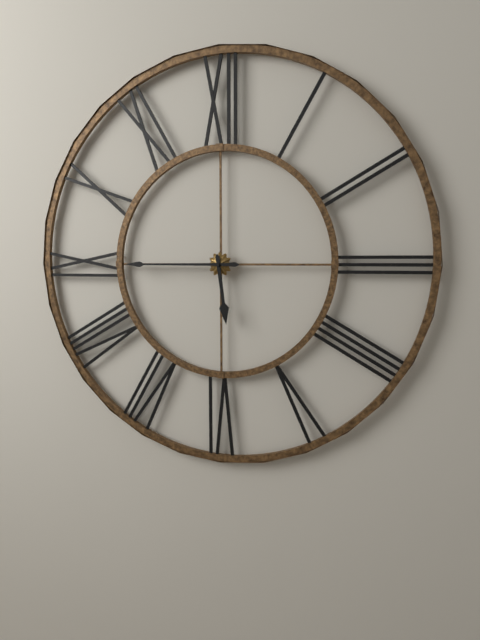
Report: h=5 m=45
